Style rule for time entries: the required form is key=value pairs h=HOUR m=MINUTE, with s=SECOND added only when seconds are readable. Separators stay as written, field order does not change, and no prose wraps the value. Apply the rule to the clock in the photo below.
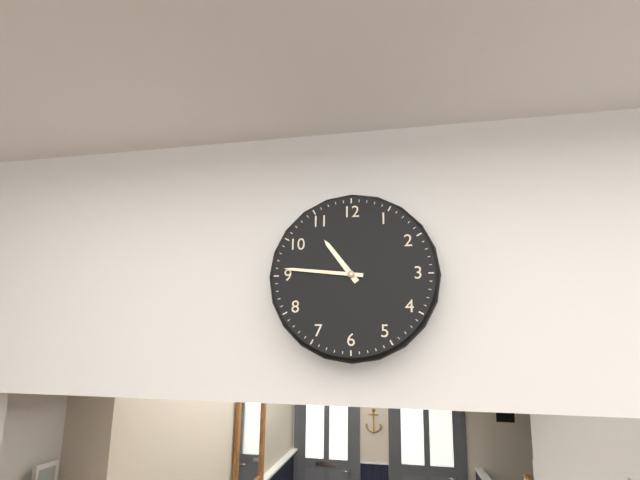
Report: h=10 m=46
